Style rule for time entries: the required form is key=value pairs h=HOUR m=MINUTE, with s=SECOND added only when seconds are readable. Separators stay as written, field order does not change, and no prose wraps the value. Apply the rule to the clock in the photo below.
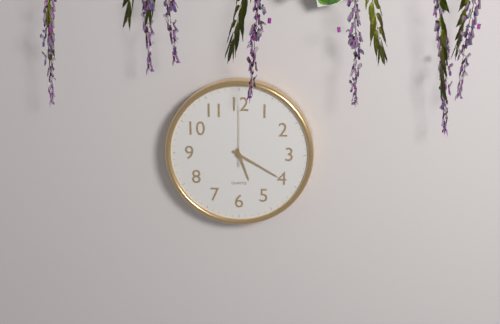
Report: h=5 m=20 s=0
